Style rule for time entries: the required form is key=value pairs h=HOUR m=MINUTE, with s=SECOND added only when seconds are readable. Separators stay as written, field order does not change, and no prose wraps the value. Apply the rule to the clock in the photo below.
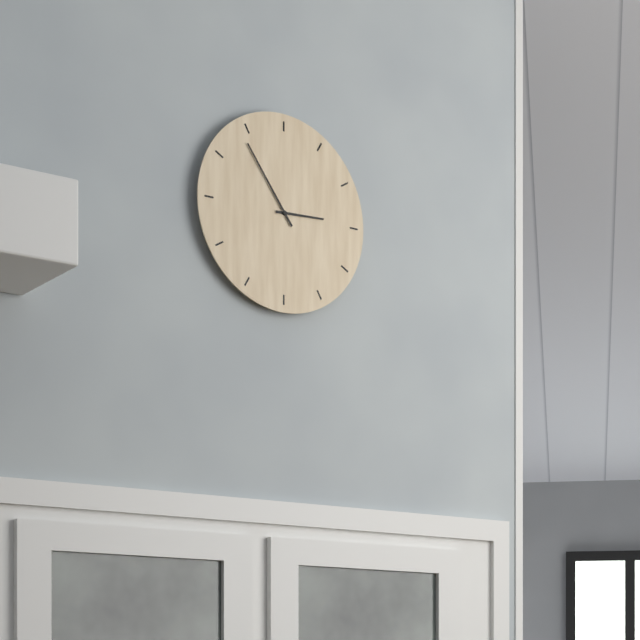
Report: h=2 m=54
